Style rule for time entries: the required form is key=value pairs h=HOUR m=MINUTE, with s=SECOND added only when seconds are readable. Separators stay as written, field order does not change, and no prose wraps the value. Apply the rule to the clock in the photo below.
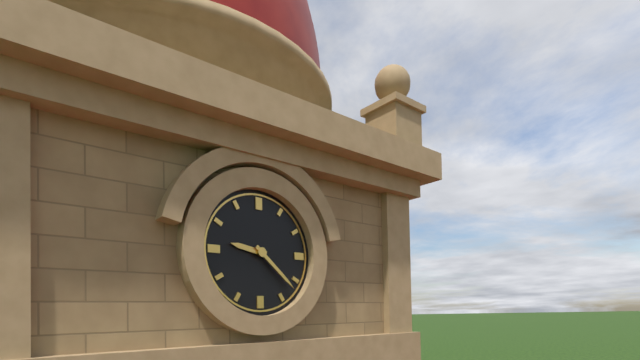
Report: h=9 m=22
